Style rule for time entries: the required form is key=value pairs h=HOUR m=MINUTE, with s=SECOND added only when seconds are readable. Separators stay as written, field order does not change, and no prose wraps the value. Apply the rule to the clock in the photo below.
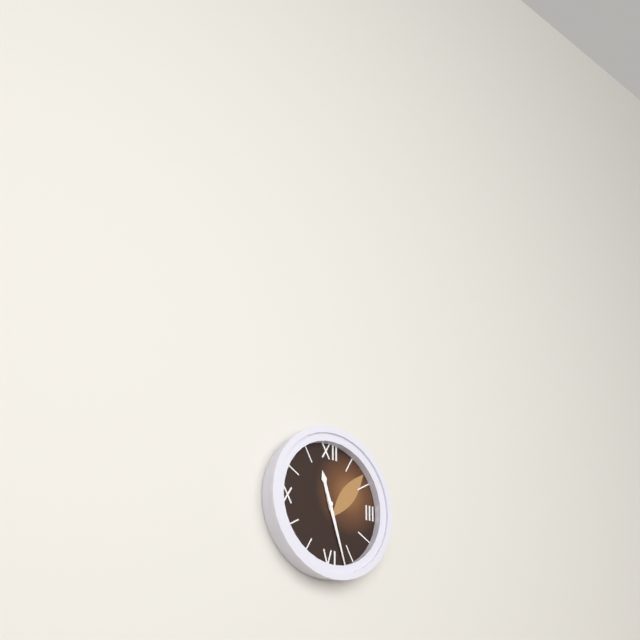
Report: h=11 m=27
